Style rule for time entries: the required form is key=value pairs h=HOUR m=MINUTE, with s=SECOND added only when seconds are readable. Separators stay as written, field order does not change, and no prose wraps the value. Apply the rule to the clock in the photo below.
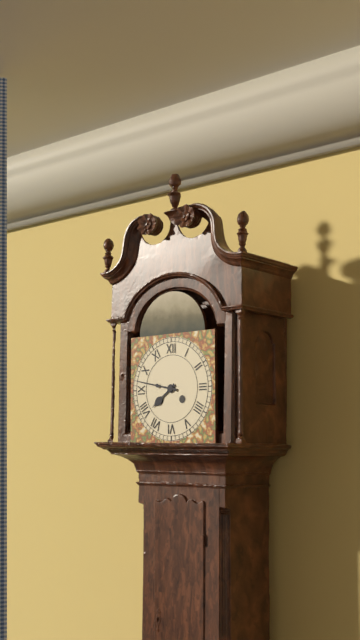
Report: h=7 m=47
